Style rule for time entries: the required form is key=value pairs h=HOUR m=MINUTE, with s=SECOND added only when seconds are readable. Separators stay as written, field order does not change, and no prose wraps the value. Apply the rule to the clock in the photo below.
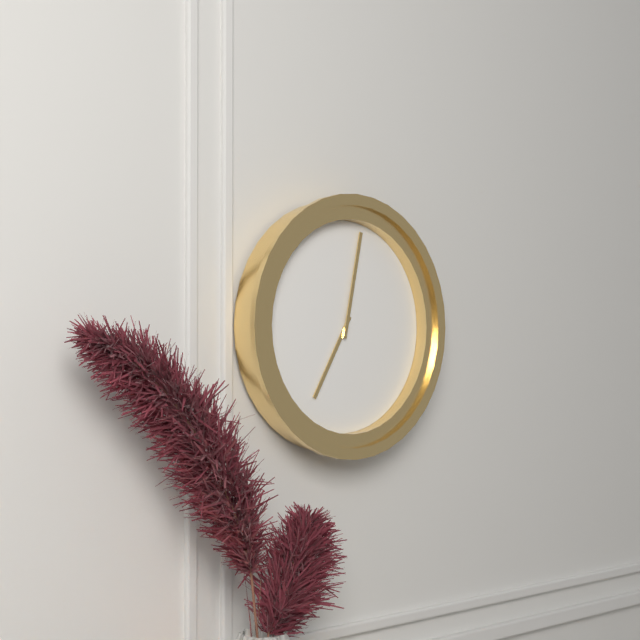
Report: h=7 m=2
